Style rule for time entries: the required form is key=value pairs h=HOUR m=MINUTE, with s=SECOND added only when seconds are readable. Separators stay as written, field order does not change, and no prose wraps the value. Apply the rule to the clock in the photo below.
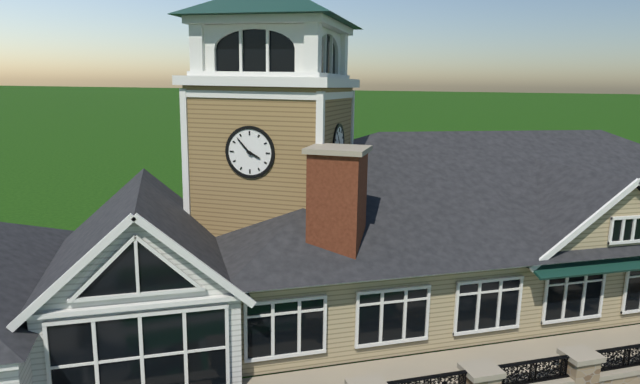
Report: h=3 m=53
